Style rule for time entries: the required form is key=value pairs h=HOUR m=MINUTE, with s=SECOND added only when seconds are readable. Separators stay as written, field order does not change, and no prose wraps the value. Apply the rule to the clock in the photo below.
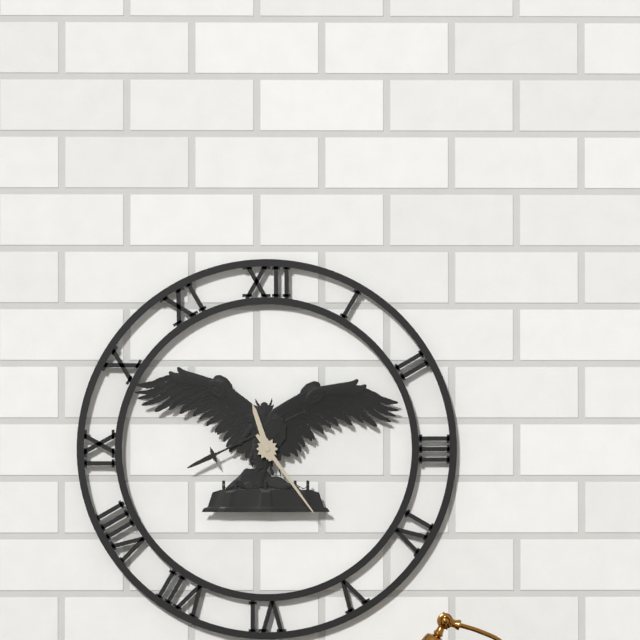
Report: h=11 m=24
